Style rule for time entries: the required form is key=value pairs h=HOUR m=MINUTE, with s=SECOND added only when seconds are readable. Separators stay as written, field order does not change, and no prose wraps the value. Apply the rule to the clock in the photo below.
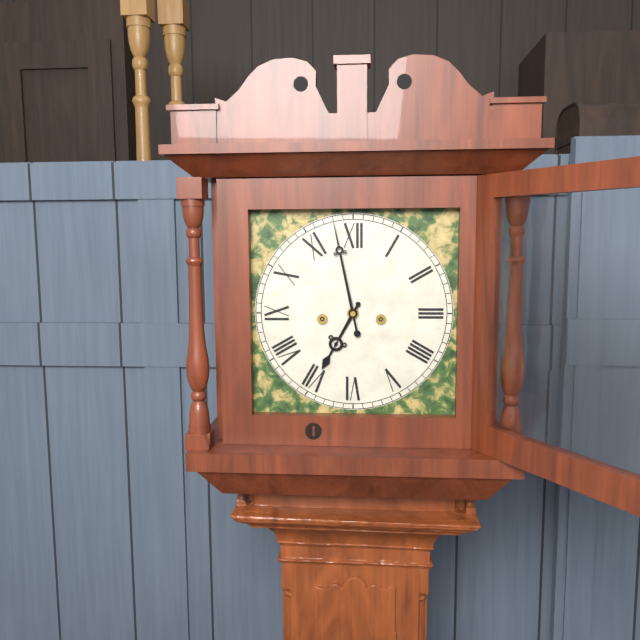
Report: h=6 m=58
